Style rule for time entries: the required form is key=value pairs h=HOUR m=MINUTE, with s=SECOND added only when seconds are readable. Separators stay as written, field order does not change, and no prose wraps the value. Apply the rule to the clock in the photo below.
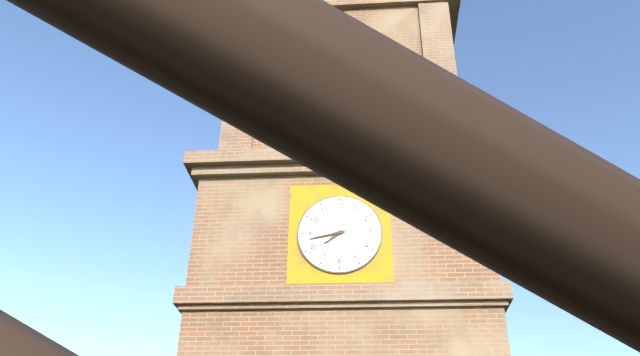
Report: h=7 m=43
